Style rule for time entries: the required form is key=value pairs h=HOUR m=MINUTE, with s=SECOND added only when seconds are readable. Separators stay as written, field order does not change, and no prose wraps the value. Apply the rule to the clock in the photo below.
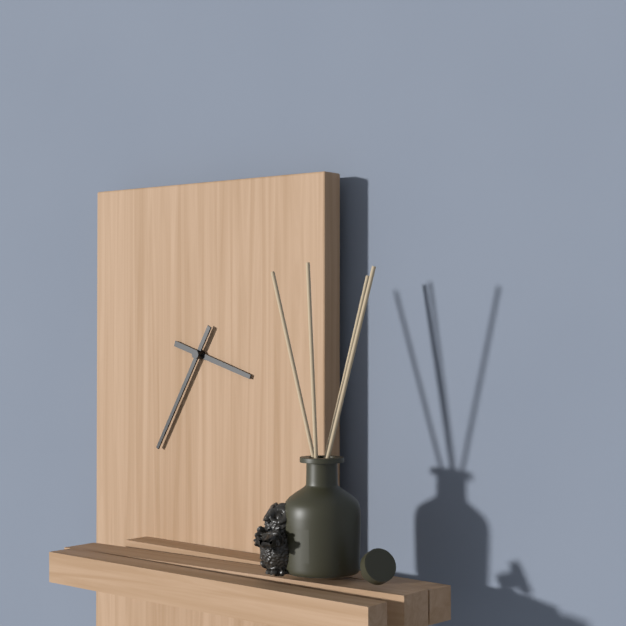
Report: h=3 m=35
